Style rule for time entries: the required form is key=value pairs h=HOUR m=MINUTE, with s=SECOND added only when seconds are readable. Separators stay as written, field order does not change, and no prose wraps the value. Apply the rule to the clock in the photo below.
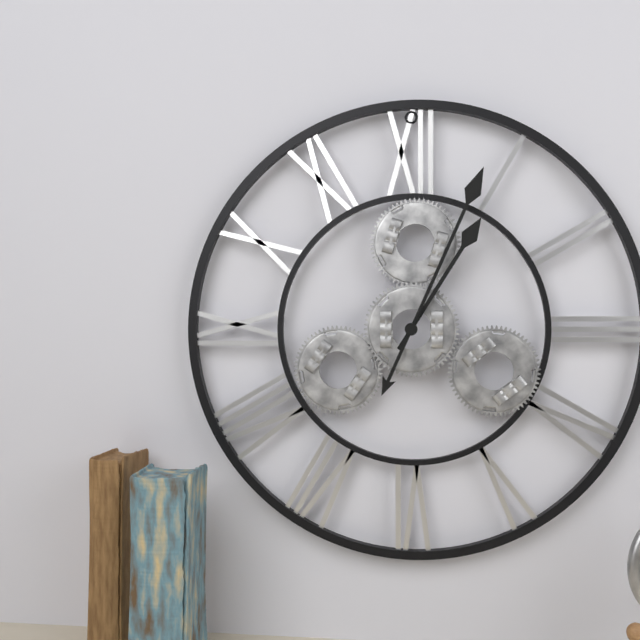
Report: h=1 m=4
